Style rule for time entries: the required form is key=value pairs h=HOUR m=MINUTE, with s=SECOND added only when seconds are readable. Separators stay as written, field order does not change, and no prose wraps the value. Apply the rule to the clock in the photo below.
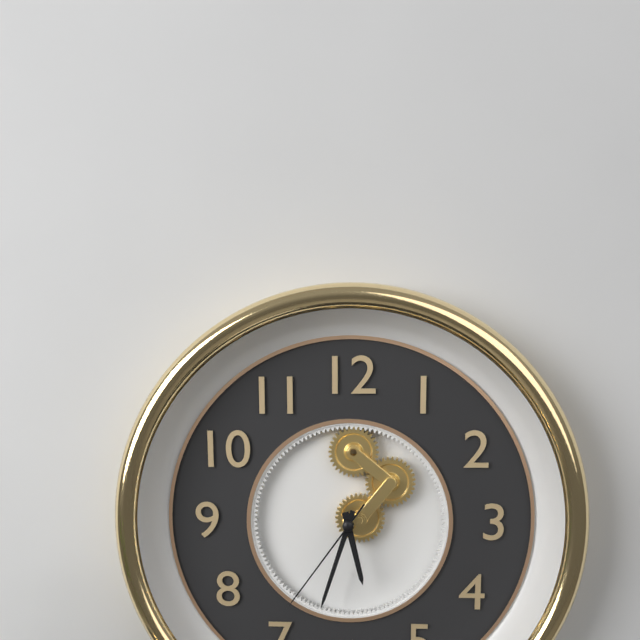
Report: h=5 m=33 s=36
